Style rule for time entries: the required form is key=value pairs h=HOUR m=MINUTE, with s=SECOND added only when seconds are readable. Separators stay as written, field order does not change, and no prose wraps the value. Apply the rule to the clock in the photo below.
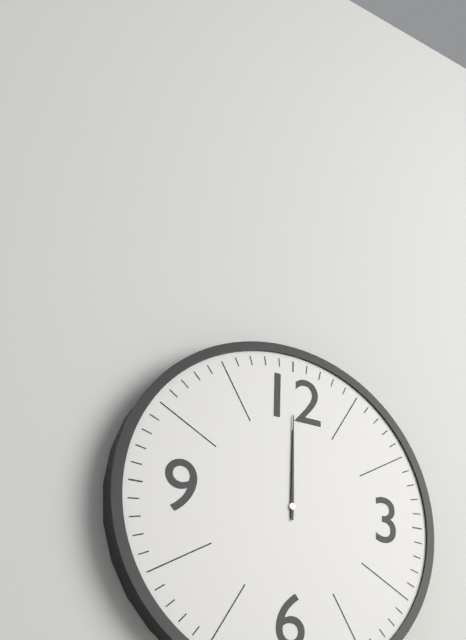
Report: h=12 m=0
